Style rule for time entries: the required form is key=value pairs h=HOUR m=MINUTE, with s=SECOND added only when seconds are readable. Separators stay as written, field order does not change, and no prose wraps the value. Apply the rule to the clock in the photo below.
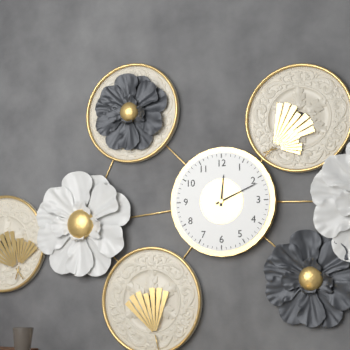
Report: h=12 m=11
